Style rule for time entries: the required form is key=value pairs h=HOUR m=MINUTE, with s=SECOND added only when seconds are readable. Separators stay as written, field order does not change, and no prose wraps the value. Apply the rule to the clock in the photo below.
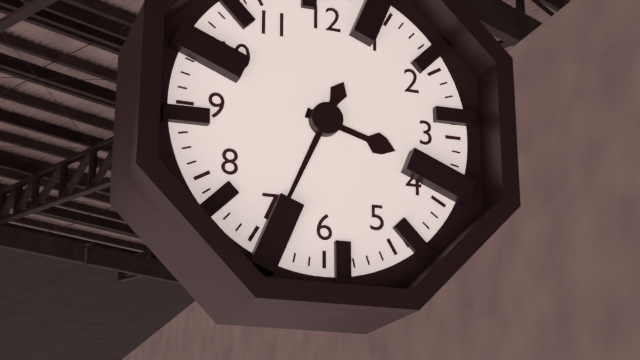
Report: h=3 m=34
